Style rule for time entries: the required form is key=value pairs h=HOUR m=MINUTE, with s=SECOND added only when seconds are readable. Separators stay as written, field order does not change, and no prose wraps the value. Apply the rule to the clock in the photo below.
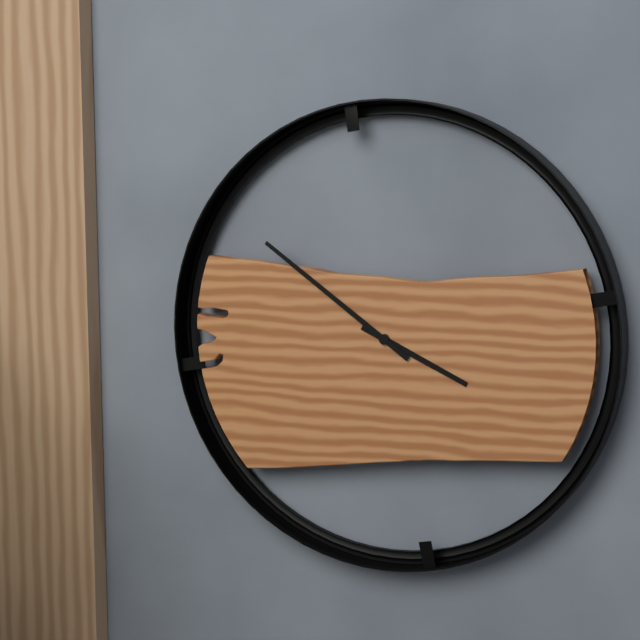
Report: h=3 m=51
